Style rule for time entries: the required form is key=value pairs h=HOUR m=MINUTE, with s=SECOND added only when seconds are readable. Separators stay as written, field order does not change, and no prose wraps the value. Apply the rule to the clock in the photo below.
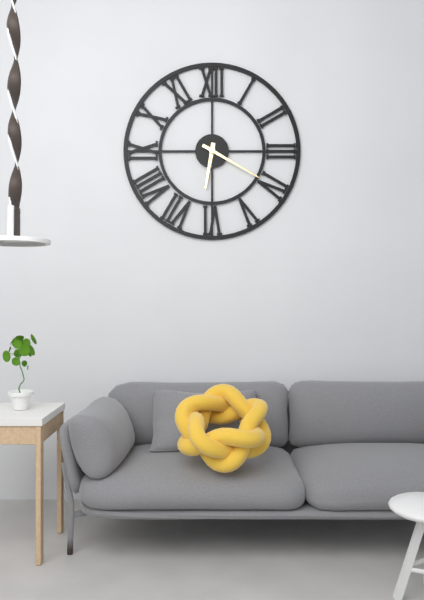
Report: h=6 m=20
